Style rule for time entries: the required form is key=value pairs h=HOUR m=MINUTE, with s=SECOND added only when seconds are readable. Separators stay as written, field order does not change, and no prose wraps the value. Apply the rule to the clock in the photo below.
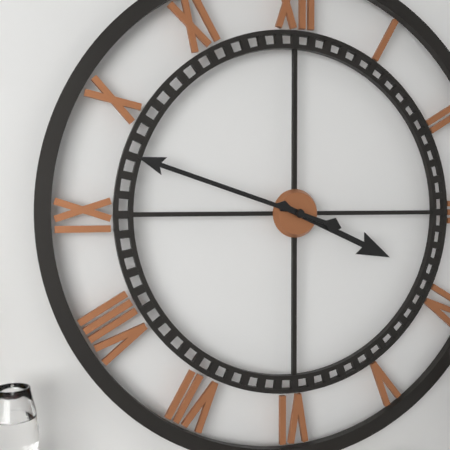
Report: h=3 m=48
